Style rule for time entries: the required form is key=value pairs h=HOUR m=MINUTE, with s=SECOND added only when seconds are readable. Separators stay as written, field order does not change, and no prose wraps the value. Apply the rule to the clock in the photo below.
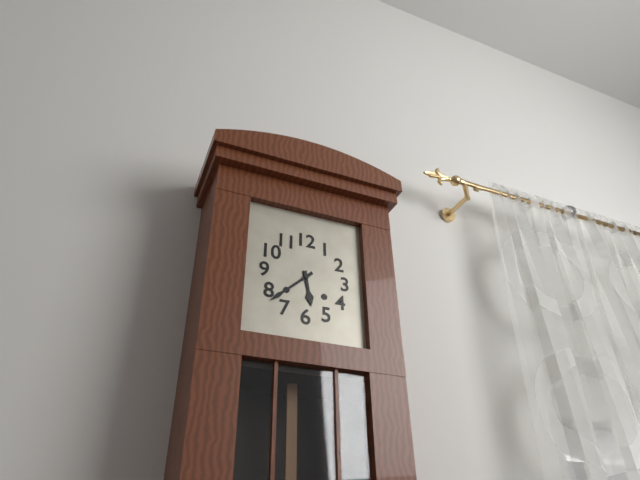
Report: h=5 m=38
